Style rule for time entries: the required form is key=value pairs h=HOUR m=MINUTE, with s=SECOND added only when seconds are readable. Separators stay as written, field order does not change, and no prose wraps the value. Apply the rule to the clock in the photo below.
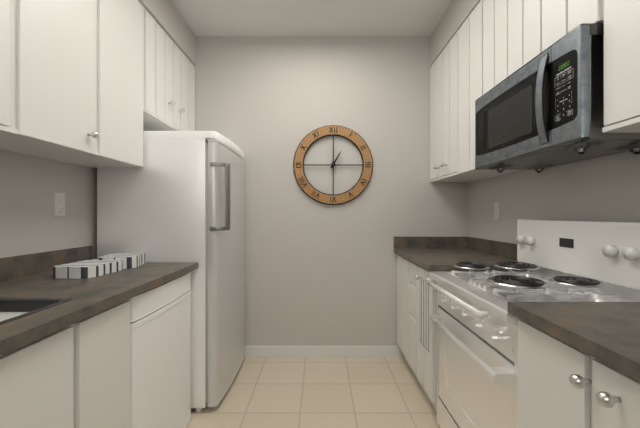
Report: h=1 m=0
